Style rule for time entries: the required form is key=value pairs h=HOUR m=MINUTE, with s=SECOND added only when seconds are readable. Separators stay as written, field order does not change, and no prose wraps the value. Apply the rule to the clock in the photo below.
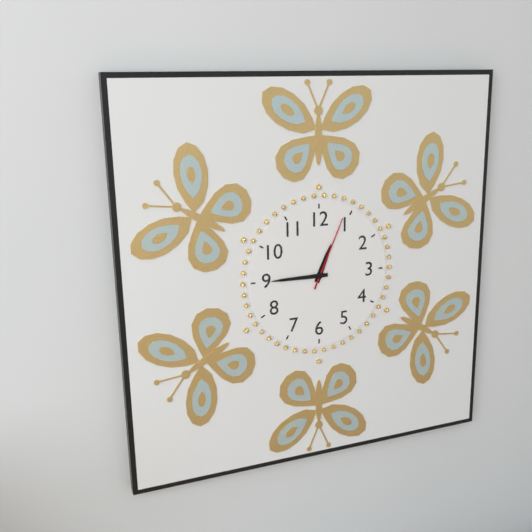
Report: h=12 m=45 s=4
